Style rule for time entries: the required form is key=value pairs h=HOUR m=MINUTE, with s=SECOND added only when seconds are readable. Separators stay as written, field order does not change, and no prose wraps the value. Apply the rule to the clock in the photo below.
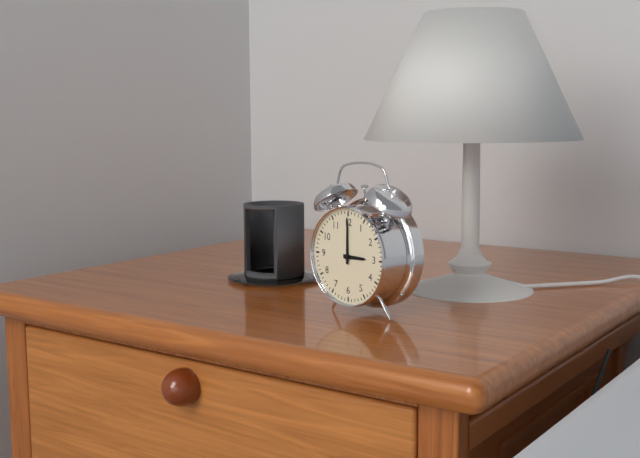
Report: h=3 m=0
